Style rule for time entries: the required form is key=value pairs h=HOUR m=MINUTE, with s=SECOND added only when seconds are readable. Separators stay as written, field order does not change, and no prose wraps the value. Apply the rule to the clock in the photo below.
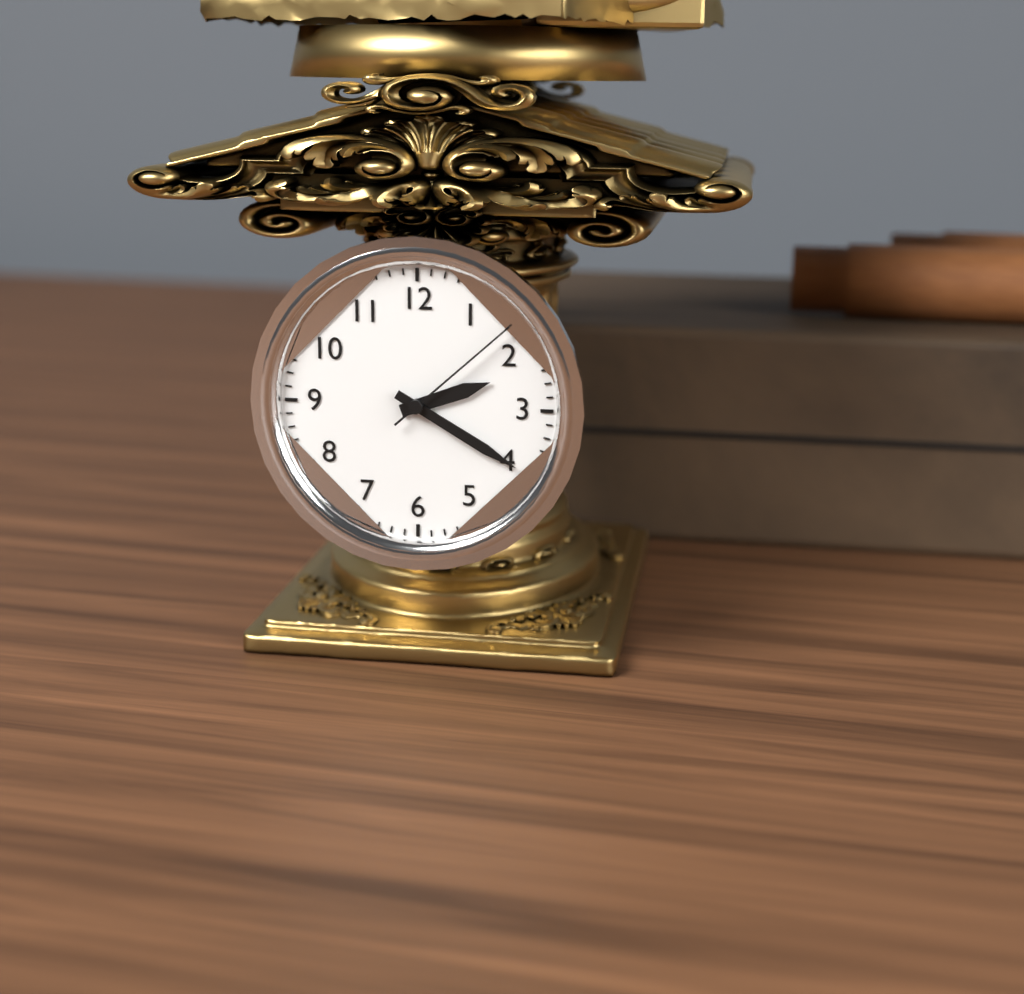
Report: h=2 m=20 s=8
